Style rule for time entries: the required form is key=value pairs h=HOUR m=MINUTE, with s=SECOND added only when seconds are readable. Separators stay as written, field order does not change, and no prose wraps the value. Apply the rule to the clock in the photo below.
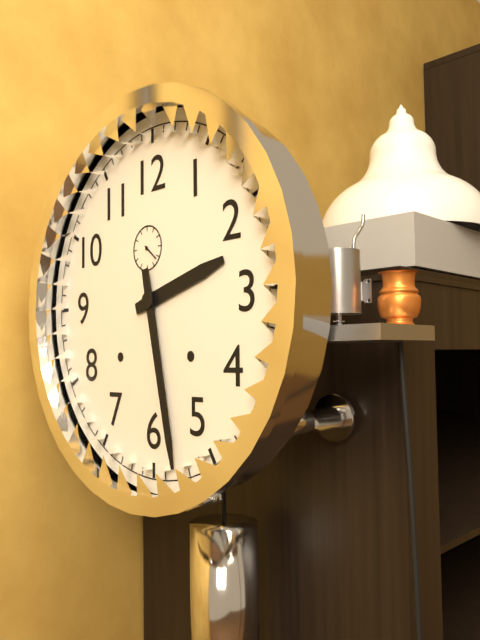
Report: h=2 m=28
